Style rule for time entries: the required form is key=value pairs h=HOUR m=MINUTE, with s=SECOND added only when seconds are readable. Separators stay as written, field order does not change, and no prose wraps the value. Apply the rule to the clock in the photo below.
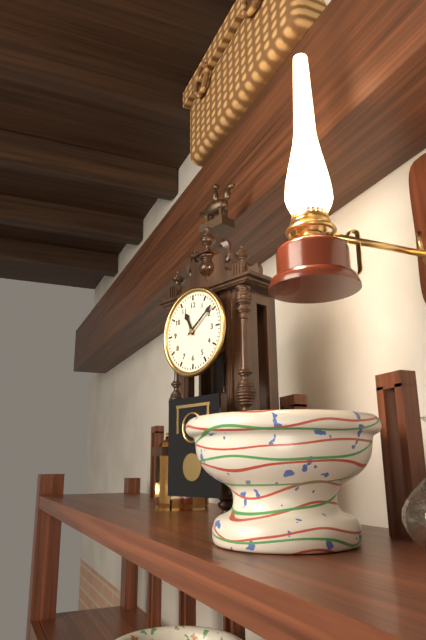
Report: h=11 m=9
